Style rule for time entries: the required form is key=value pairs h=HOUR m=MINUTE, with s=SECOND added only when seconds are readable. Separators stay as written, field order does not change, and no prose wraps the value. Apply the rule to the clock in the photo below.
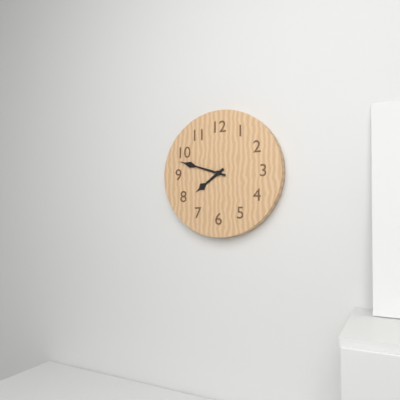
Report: h=7 m=48
